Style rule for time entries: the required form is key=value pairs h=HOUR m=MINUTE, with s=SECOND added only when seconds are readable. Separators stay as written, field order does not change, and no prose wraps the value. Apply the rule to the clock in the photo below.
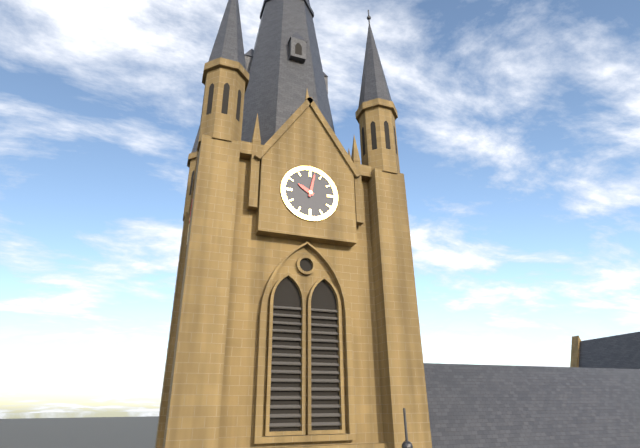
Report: h=10 m=2
